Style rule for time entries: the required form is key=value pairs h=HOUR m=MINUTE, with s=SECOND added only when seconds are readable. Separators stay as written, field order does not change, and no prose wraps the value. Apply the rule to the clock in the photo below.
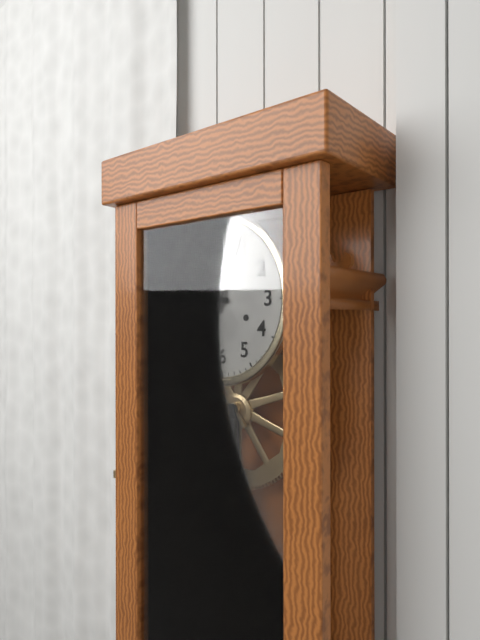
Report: h=9 m=4
